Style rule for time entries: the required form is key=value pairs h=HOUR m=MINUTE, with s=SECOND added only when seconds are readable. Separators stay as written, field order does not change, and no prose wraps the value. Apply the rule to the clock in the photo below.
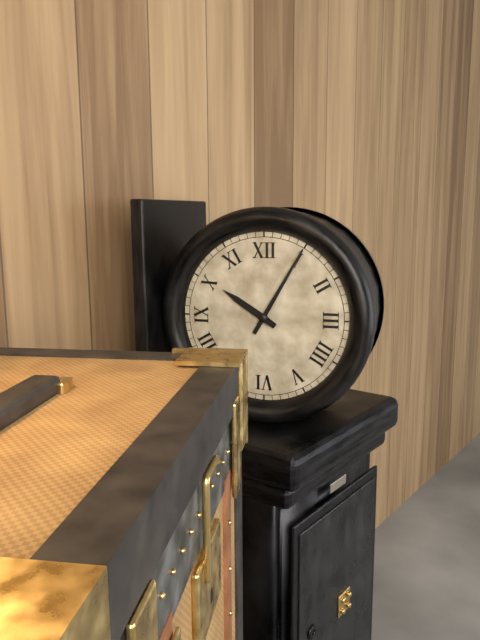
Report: h=10 m=5
